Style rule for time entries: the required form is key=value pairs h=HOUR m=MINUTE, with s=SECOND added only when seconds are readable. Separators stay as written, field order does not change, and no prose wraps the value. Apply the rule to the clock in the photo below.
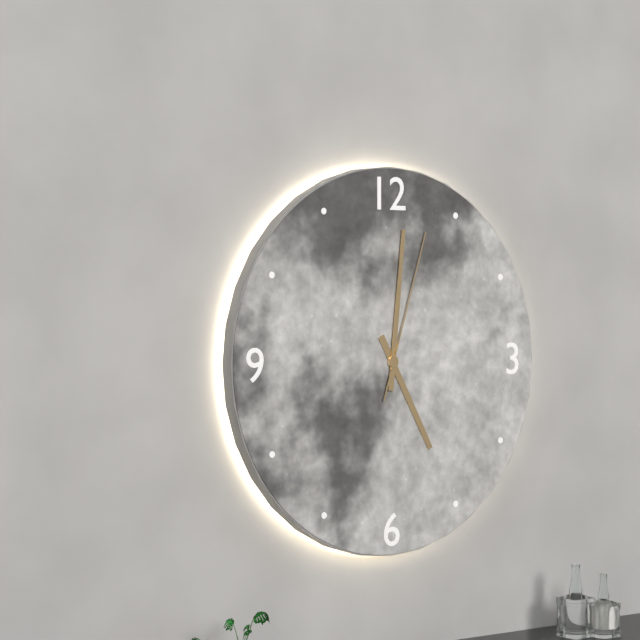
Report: h=5 m=1 s=3
